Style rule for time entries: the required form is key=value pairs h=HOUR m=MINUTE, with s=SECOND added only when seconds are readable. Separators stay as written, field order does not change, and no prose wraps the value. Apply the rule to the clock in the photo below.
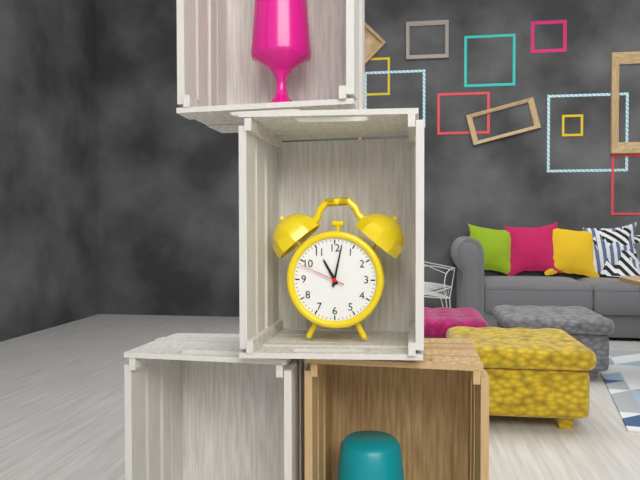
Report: h=11 m=2
